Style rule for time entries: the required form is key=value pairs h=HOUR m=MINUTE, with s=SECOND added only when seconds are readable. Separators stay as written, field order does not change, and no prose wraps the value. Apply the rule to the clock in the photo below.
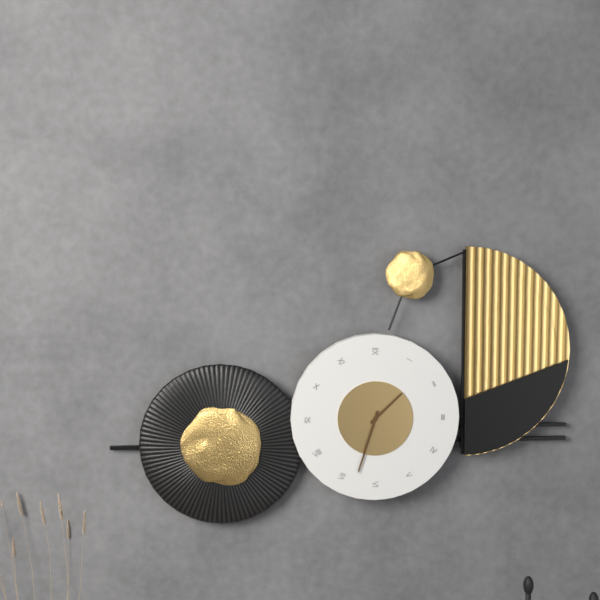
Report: h=1 m=33
